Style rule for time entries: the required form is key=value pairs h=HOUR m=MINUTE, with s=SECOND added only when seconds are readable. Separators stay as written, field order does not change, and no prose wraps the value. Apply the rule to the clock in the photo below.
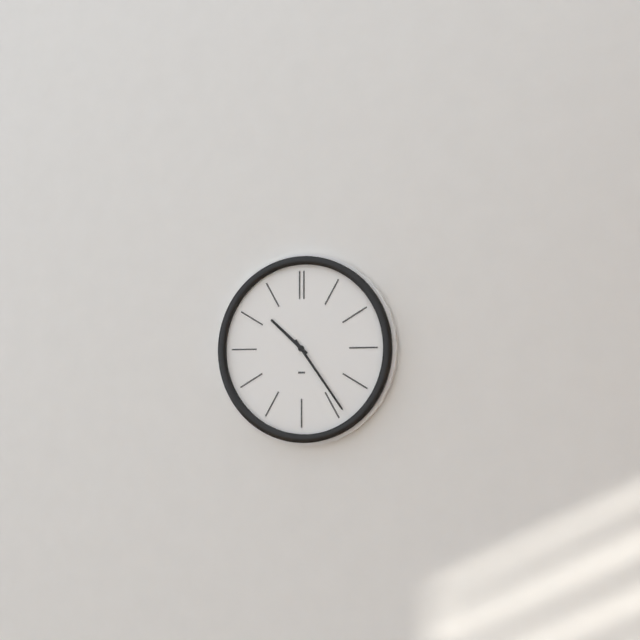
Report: h=10 m=24
